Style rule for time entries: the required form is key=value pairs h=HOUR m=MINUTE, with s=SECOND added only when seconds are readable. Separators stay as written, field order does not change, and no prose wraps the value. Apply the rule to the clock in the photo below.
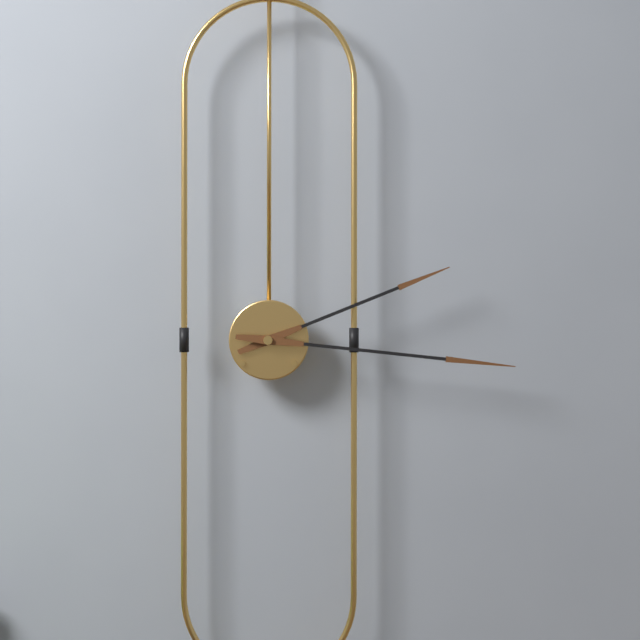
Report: h=2 m=16
